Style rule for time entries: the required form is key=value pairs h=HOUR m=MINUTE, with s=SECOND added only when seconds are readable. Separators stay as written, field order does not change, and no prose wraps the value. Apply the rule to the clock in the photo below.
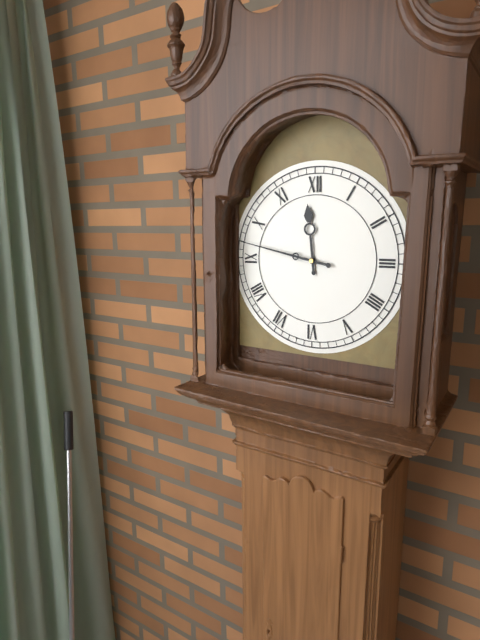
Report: h=11 m=47
